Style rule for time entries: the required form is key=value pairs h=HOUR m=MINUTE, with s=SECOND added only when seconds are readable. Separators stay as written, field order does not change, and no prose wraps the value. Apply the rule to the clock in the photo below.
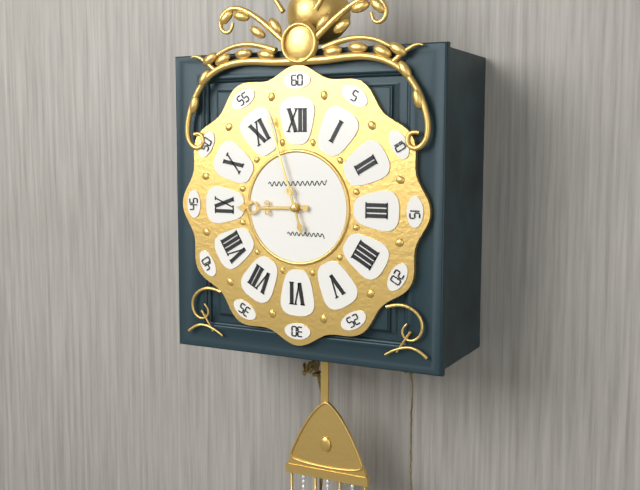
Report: h=8 m=57
